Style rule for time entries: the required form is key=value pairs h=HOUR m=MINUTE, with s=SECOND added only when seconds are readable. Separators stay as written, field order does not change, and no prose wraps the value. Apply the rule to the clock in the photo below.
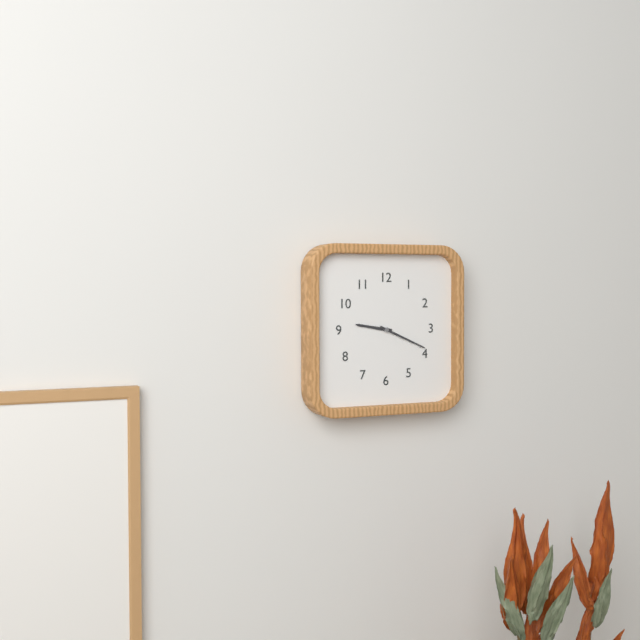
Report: h=9 m=19
